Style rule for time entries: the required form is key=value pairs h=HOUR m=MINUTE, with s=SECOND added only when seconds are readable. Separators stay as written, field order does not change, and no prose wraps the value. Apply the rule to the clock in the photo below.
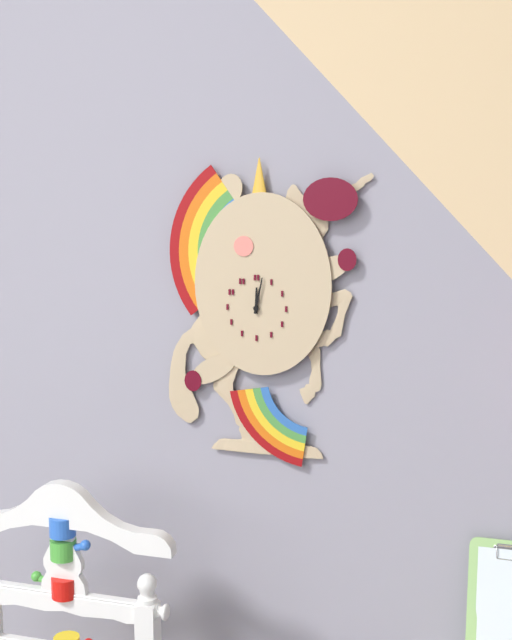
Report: h=12 m=2
